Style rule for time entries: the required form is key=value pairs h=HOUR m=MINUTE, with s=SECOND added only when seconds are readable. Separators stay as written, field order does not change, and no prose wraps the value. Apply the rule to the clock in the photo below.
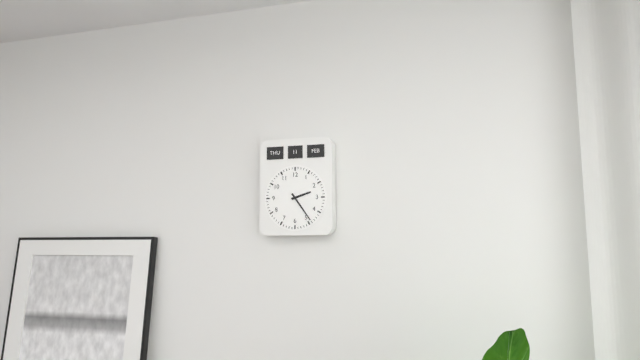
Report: h=2 m=24
